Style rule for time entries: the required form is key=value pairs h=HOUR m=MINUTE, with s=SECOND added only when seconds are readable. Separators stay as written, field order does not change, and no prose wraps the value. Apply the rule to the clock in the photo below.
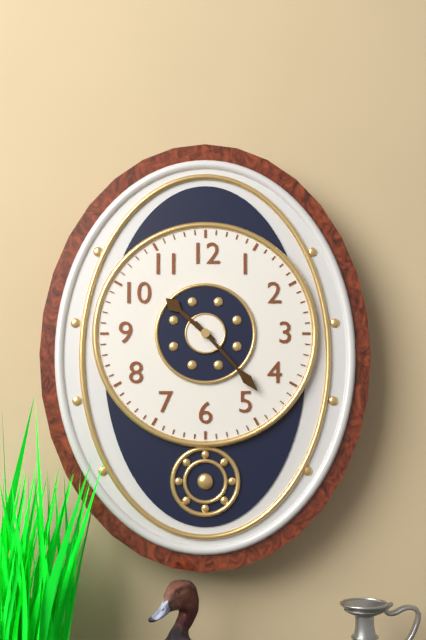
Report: h=10 m=23
